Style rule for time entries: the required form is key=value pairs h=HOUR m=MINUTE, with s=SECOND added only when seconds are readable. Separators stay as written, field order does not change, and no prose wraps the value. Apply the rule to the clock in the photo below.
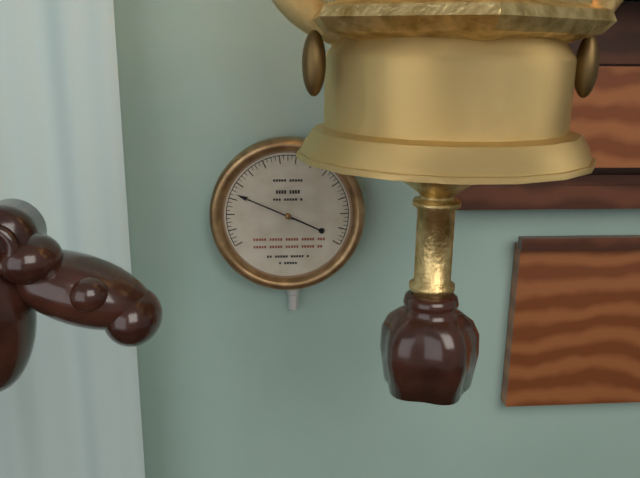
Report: h=3 m=49
